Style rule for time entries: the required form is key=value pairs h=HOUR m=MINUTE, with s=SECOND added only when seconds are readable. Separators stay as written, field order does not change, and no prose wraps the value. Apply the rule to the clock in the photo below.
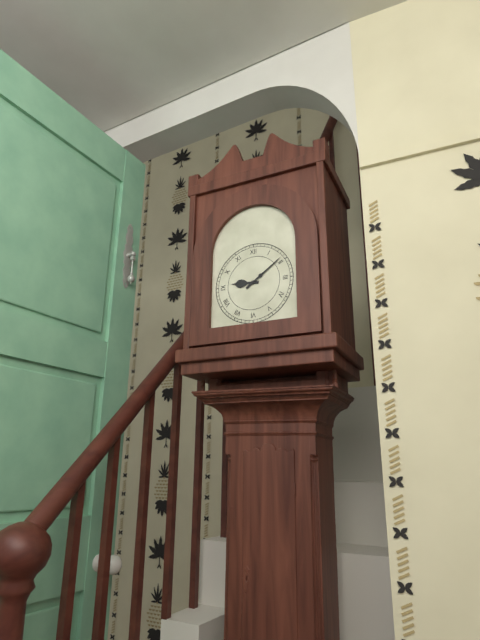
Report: h=9 m=9
